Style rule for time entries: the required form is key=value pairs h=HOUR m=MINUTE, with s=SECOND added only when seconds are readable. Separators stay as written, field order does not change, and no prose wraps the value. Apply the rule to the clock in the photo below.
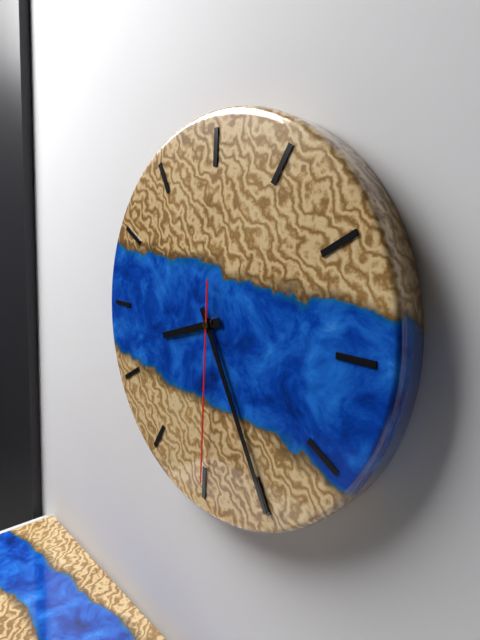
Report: h=8 m=25 s=30
